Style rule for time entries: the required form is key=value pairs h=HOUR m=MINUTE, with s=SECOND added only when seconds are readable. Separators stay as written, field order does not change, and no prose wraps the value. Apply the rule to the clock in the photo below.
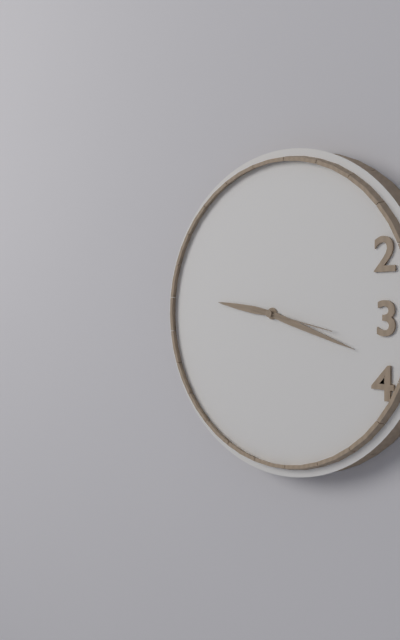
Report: h=9 m=18 s=17
